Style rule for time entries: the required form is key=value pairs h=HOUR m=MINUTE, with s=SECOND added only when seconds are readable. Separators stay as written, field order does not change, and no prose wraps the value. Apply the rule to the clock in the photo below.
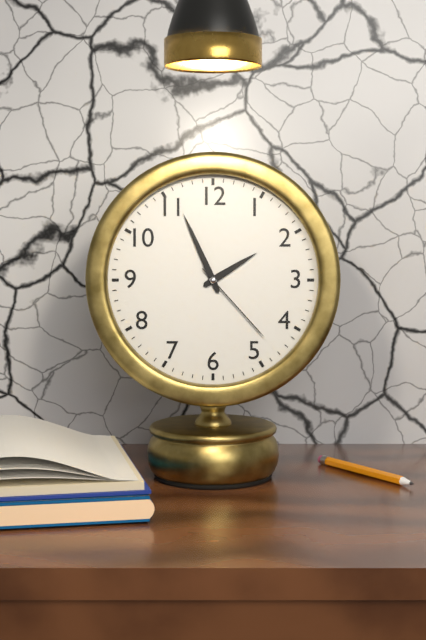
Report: h=1 m=56 s=23
